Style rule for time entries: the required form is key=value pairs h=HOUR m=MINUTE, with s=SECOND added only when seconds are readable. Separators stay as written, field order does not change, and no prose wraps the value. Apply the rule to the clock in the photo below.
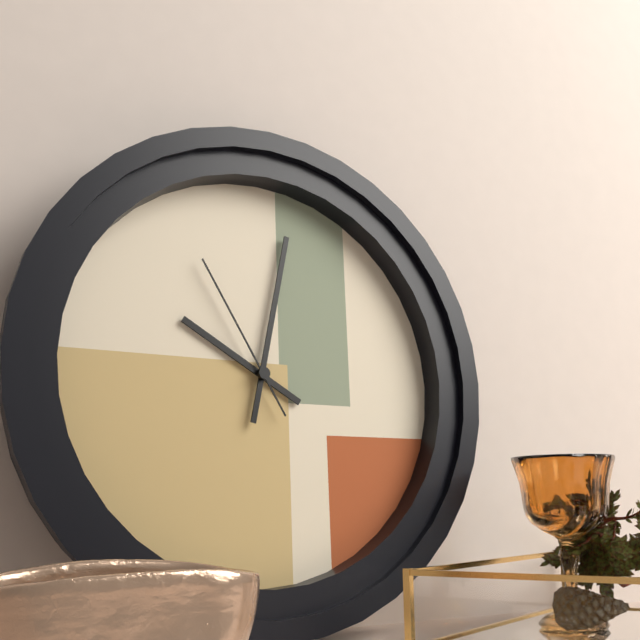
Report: h=10 m=2 s=55
